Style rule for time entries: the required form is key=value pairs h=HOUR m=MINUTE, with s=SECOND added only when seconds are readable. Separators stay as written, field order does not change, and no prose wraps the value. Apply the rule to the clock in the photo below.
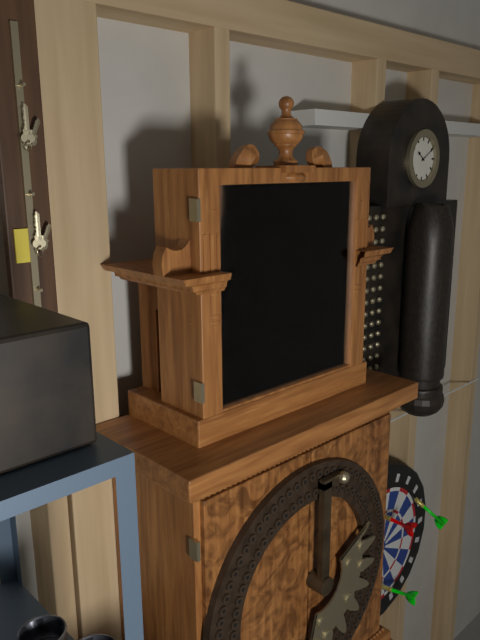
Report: h=4 m=18
